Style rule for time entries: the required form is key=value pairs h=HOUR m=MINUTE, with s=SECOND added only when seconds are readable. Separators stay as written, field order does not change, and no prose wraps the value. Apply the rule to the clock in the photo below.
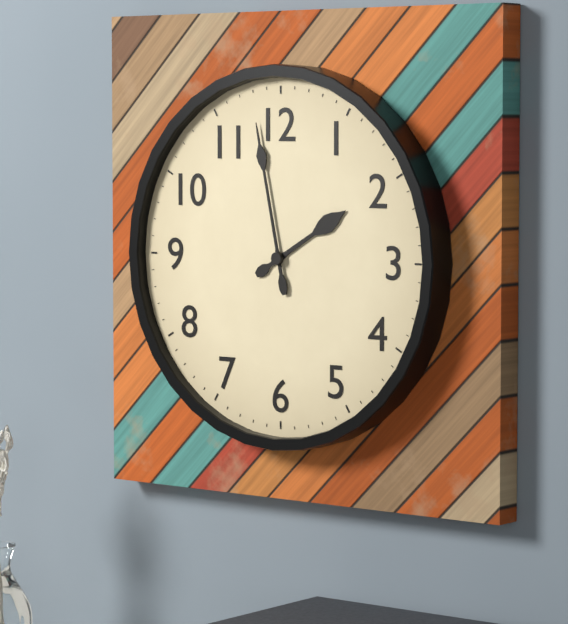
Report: h=1 m=58
